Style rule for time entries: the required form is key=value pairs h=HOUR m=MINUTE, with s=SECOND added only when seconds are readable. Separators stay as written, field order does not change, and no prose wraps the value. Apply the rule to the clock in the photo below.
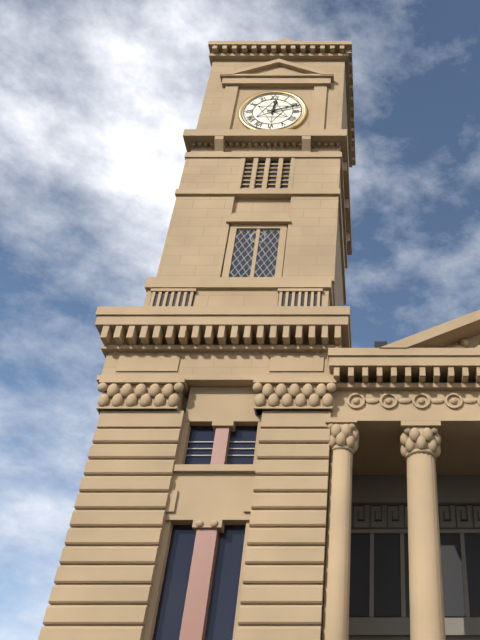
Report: h=12 m=12
